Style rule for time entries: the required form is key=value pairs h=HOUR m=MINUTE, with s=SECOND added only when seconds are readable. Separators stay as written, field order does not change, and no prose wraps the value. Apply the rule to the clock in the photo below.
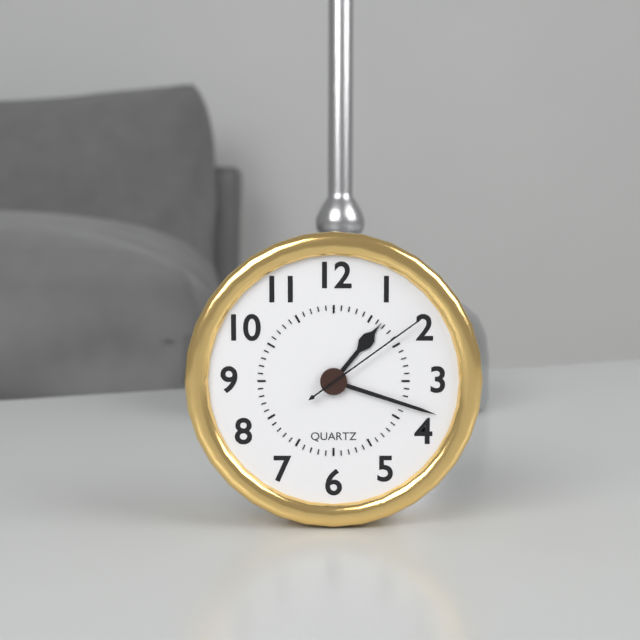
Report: h=1 m=18 s=9
